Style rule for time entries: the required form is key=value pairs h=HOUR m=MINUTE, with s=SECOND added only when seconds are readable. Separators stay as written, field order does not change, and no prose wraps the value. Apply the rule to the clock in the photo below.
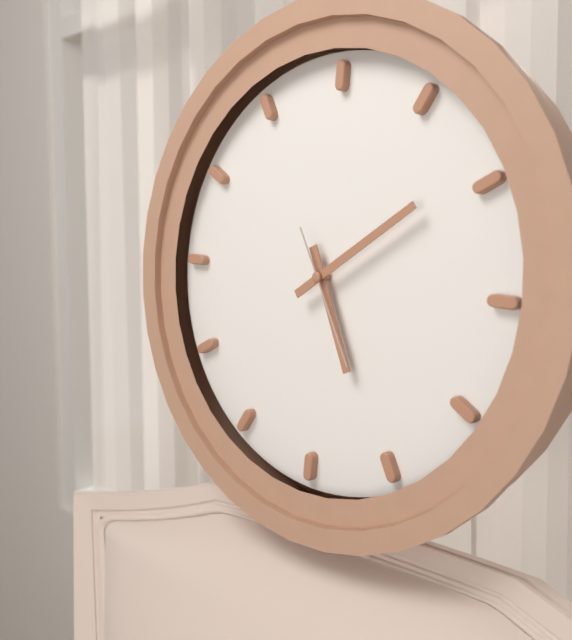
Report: h=5 m=9 s=25
